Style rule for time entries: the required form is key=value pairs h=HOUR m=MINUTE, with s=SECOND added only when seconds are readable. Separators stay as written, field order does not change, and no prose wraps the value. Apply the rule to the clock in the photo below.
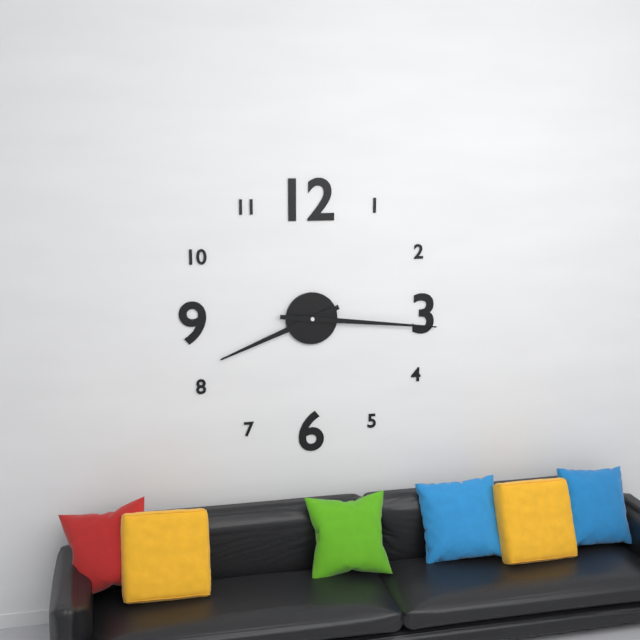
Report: h=8 m=16
